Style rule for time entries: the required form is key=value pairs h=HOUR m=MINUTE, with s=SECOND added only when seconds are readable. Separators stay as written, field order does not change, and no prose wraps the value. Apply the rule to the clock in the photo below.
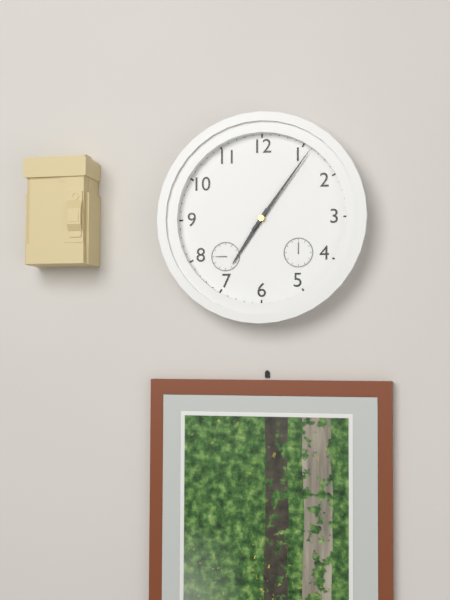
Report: h=7 m=6
